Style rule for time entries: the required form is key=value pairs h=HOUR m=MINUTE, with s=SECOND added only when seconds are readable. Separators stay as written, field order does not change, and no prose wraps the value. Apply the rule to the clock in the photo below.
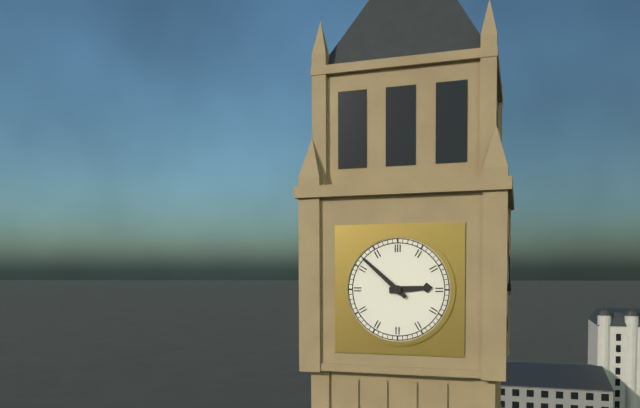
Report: h=2 m=52
